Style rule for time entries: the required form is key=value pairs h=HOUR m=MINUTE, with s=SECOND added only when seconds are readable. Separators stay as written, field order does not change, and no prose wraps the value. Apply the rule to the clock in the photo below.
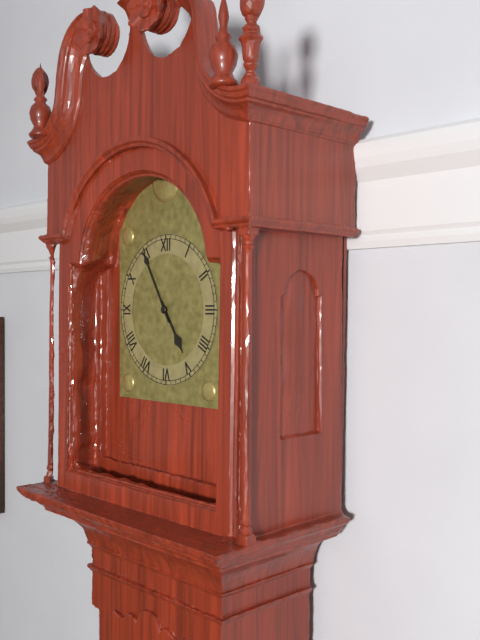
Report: h=4 m=55
